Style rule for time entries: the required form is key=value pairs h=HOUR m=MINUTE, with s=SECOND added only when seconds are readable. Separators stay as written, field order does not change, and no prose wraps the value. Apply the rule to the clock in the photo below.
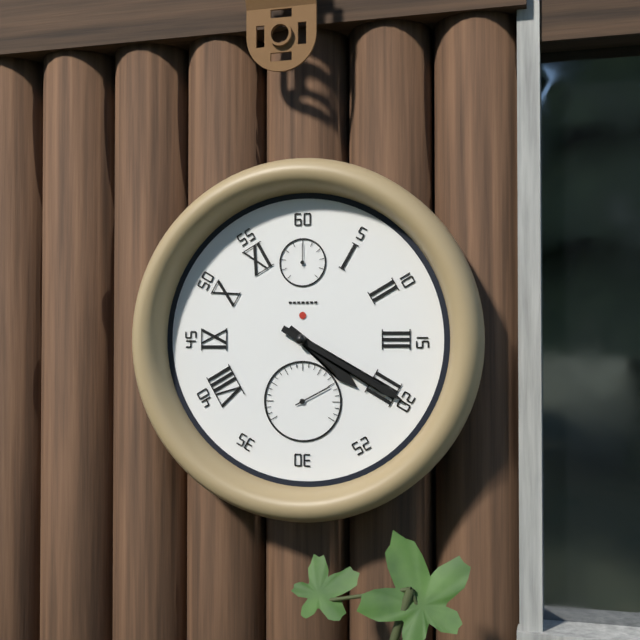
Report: h=4 m=20
